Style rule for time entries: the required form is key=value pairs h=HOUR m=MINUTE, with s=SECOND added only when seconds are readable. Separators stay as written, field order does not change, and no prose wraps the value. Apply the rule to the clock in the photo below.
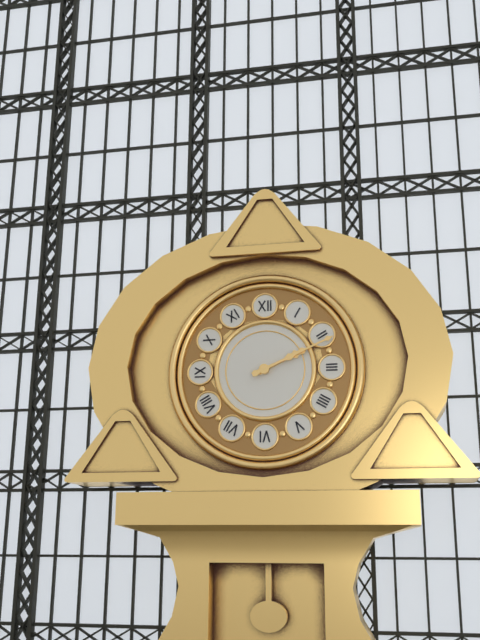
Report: h=2 m=11
